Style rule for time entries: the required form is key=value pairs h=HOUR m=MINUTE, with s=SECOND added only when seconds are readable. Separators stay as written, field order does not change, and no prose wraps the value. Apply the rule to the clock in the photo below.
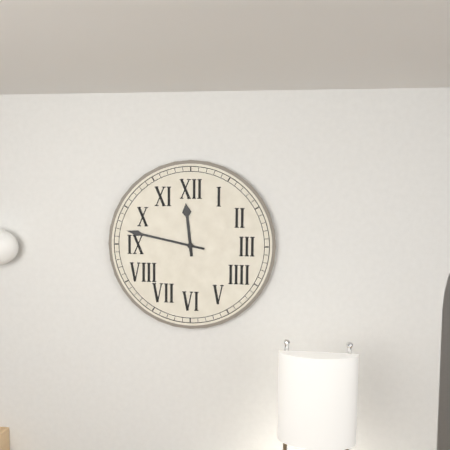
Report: h=11 m=47
